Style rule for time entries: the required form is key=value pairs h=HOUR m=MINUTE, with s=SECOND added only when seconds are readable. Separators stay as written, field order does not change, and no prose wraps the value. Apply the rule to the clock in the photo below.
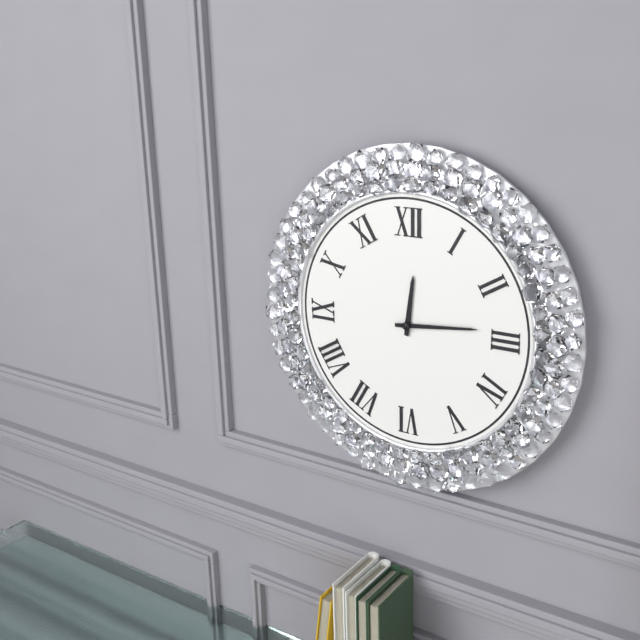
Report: h=12 m=14
